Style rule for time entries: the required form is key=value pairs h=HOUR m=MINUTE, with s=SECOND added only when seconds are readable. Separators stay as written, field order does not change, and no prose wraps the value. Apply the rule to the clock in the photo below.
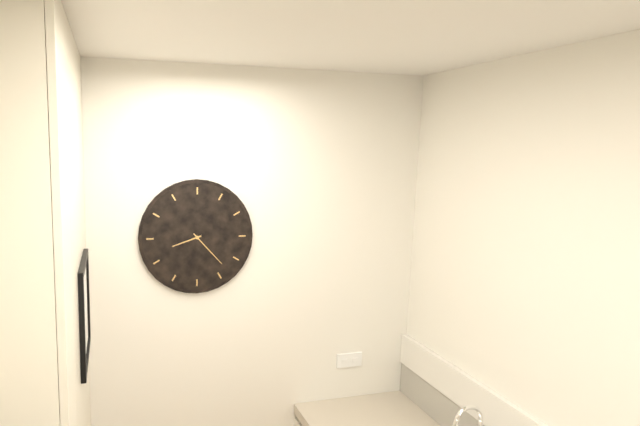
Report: h=8 m=23
